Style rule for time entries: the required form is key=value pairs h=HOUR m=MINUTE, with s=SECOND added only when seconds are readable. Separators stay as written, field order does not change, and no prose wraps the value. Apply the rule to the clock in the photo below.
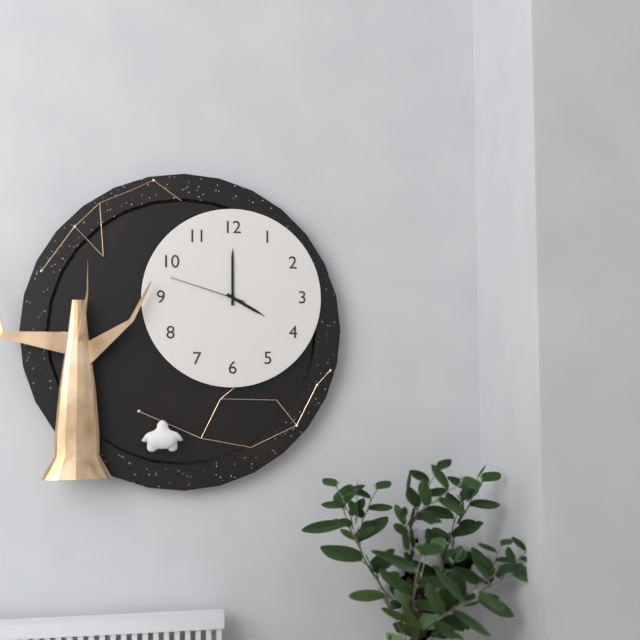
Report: h=4 m=0 s=48
